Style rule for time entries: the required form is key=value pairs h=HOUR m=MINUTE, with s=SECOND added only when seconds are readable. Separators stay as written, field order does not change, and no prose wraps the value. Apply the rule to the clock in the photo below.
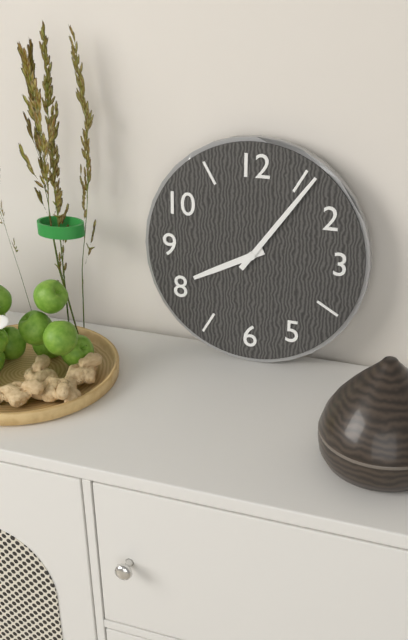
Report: h=8 m=6
